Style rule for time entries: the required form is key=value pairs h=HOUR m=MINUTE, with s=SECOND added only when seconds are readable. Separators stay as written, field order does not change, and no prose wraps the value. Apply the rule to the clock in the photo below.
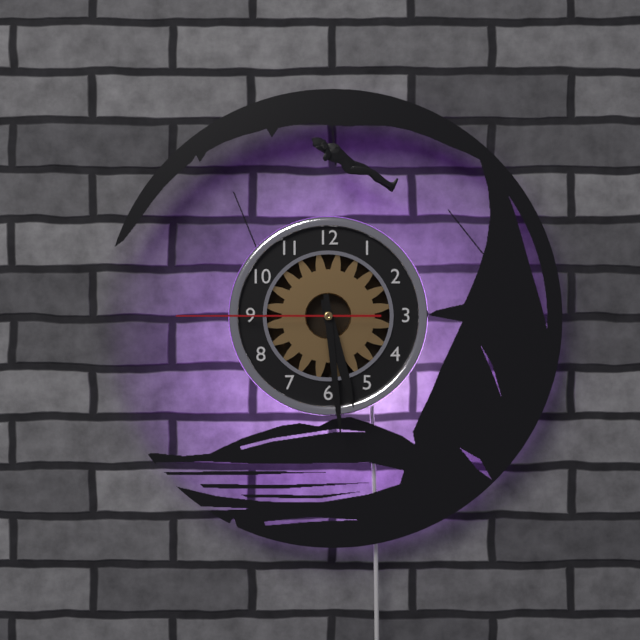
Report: h=5 m=29 s=45
